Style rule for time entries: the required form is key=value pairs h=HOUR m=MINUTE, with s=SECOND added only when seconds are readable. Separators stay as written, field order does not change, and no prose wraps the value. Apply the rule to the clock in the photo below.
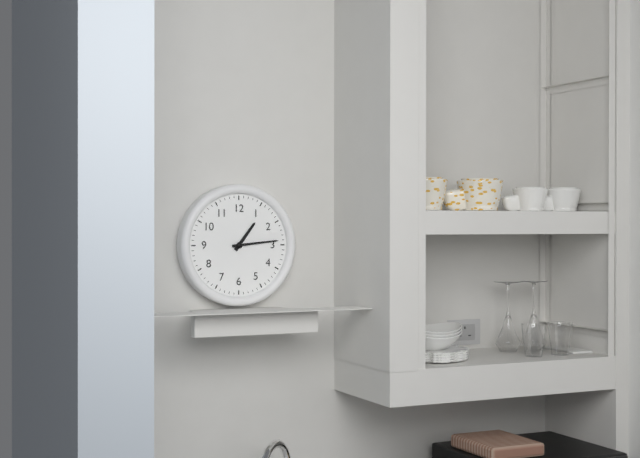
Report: h=1 m=14
